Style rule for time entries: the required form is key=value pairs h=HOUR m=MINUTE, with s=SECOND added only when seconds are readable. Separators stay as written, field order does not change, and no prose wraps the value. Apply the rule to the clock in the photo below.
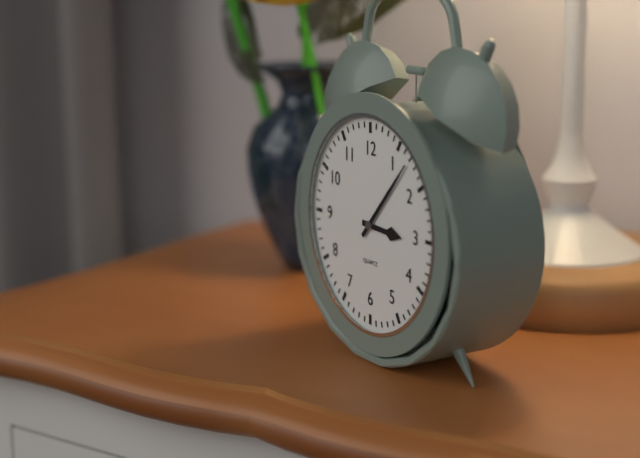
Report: h=3 m=7
